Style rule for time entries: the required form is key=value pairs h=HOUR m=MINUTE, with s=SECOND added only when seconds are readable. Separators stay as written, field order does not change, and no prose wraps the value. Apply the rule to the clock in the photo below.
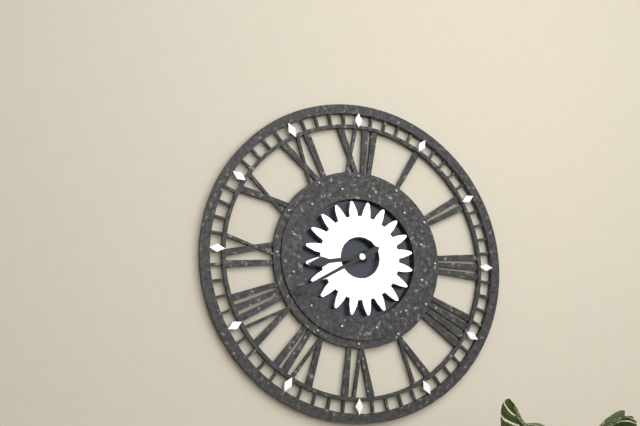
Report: h=8 m=40
